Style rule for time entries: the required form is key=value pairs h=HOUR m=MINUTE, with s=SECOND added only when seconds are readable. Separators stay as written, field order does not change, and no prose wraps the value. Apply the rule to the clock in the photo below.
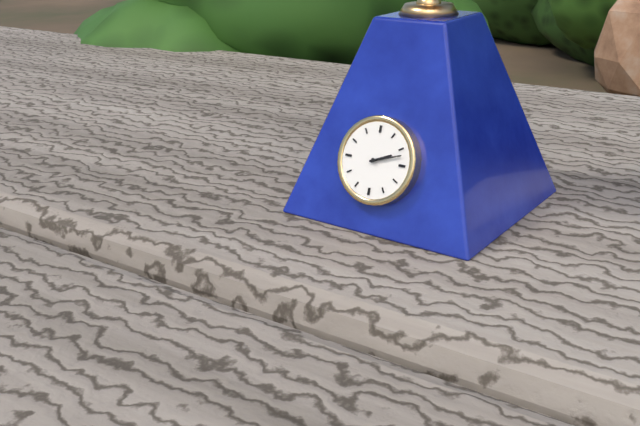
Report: h=2 m=12
